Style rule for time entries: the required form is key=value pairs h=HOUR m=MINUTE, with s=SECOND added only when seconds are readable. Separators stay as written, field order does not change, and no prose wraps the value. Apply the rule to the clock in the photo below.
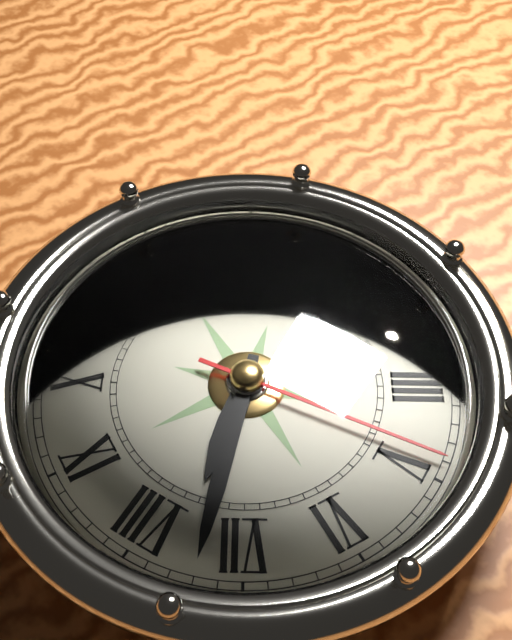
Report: h=7 m=37 s=24
